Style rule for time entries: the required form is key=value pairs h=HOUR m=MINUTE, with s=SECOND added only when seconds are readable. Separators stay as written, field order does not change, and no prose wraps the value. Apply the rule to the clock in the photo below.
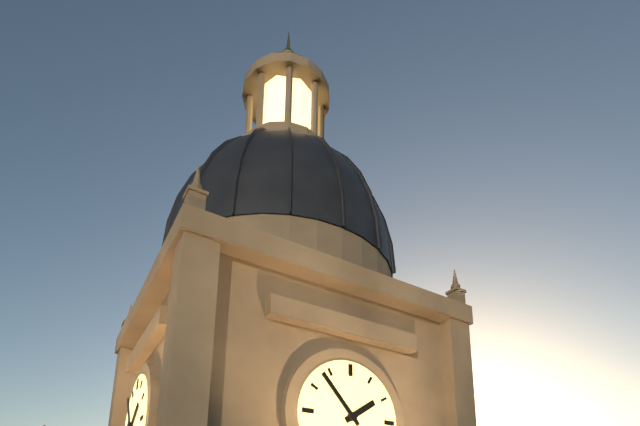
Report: h=1 m=53
